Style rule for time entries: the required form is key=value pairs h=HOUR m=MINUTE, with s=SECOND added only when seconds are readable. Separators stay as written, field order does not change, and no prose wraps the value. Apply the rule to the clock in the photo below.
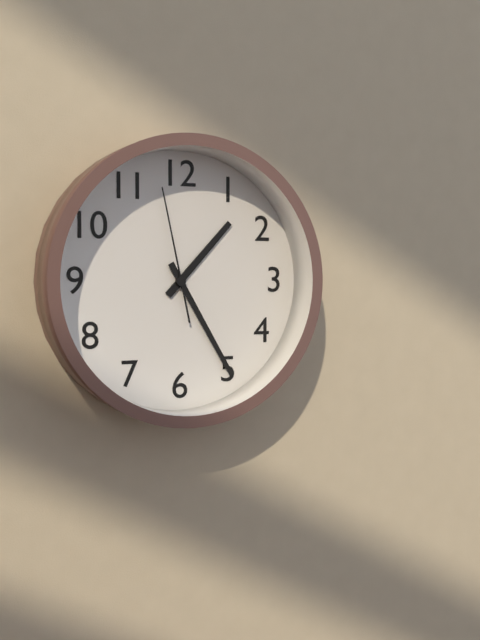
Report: h=1 m=25 s=58
